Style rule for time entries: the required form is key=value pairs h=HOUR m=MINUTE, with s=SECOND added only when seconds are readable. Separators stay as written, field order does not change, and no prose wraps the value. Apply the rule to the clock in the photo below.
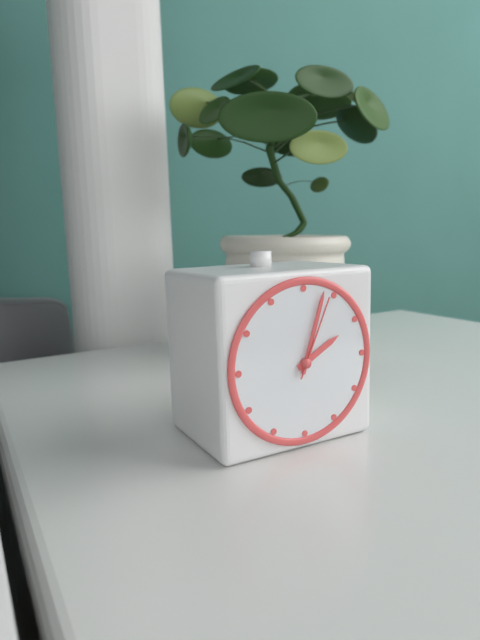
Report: h=2 m=3 s=4
